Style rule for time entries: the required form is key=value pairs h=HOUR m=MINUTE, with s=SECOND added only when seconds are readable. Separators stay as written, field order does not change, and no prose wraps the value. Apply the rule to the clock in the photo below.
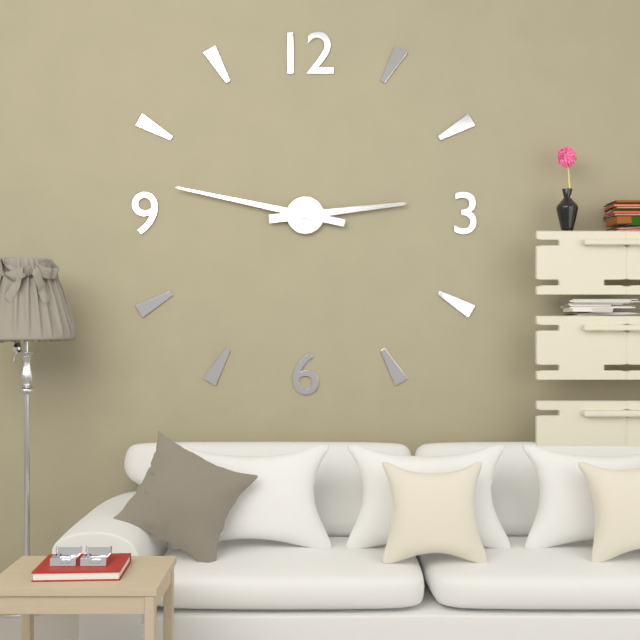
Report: h=2 m=47
